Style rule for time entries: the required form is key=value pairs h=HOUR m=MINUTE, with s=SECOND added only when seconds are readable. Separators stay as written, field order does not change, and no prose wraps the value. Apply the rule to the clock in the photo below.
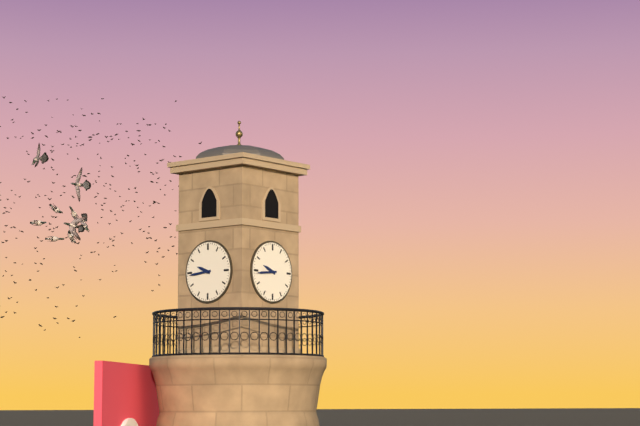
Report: h=9 m=44
